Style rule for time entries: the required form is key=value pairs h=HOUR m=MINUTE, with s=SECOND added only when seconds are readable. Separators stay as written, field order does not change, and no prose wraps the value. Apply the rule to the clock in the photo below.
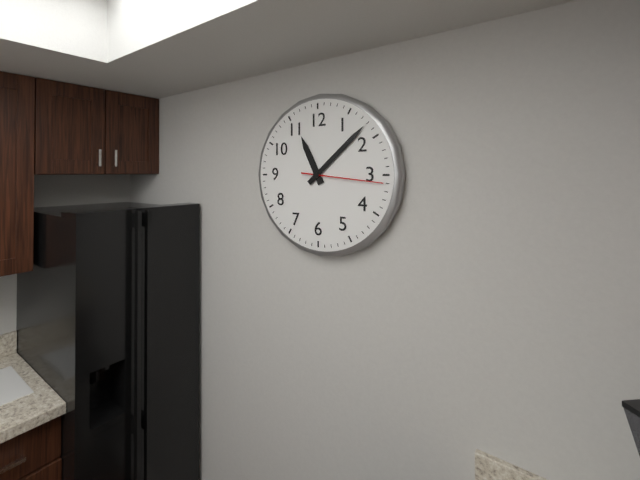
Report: h=11 m=8 s=16
